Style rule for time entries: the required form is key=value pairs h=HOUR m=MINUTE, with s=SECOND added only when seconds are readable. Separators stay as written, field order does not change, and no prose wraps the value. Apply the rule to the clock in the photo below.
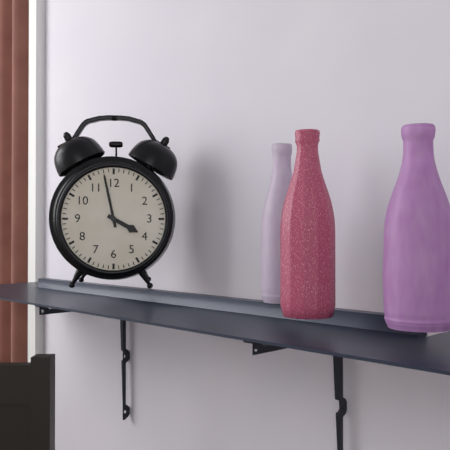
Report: h=3 m=58
